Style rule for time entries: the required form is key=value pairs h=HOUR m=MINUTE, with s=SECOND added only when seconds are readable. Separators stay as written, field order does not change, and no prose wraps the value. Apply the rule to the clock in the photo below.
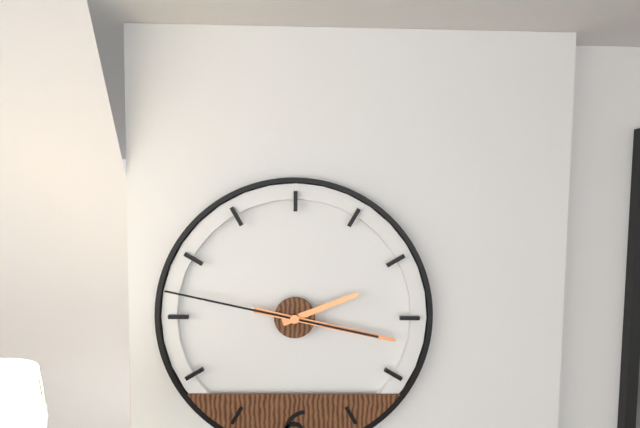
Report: h=2 m=17 s=47
